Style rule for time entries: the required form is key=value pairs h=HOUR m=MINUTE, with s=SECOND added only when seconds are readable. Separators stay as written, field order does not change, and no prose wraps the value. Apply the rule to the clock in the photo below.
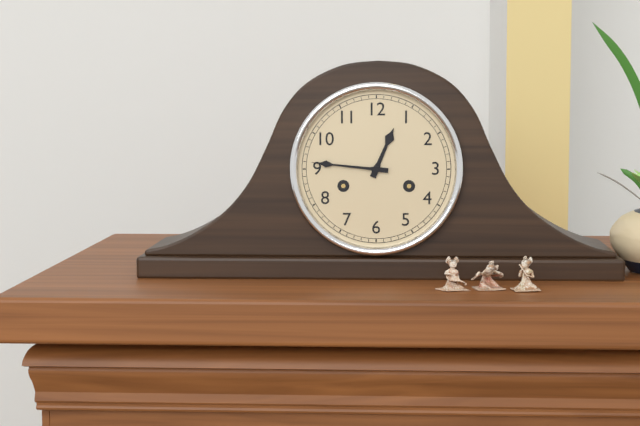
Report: h=12 m=46
